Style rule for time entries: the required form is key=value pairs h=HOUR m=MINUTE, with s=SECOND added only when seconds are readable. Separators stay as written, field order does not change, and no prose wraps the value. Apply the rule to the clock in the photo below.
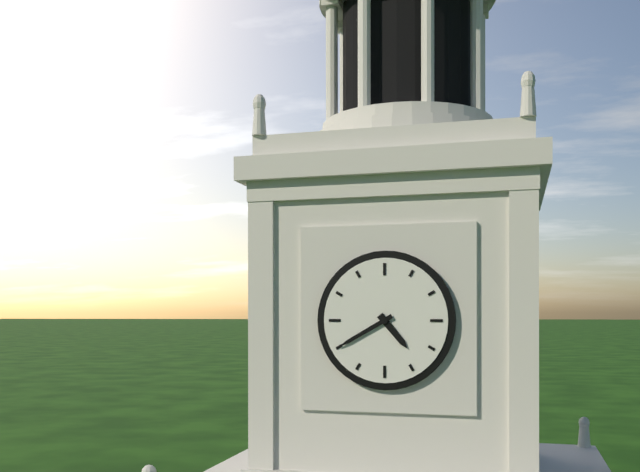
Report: h=4 m=40
